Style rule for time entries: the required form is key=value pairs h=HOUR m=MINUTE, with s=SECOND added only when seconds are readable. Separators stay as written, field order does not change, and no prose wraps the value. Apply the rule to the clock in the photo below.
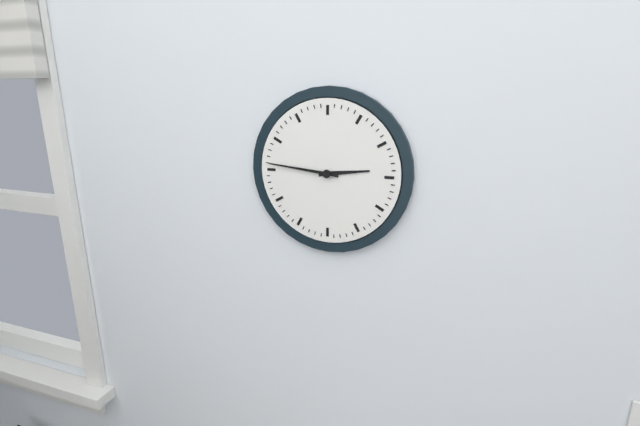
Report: h=2 m=46
